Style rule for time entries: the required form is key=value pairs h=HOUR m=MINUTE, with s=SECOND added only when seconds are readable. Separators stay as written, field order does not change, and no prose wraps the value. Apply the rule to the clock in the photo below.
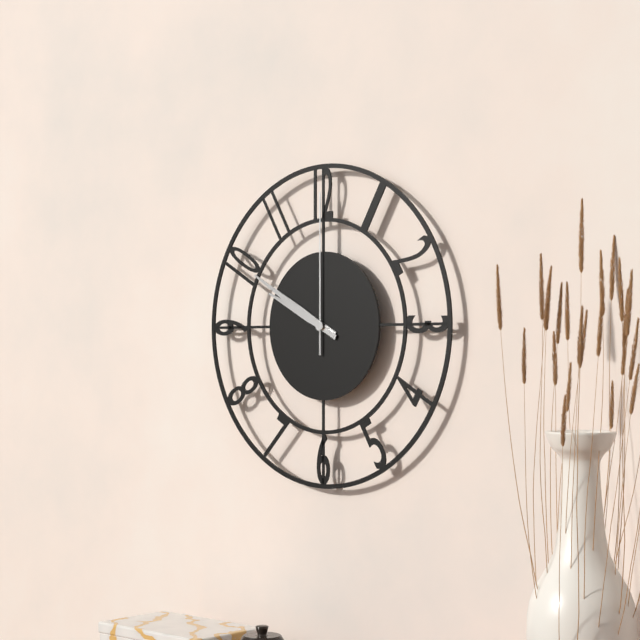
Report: h=9 m=50 s=0
